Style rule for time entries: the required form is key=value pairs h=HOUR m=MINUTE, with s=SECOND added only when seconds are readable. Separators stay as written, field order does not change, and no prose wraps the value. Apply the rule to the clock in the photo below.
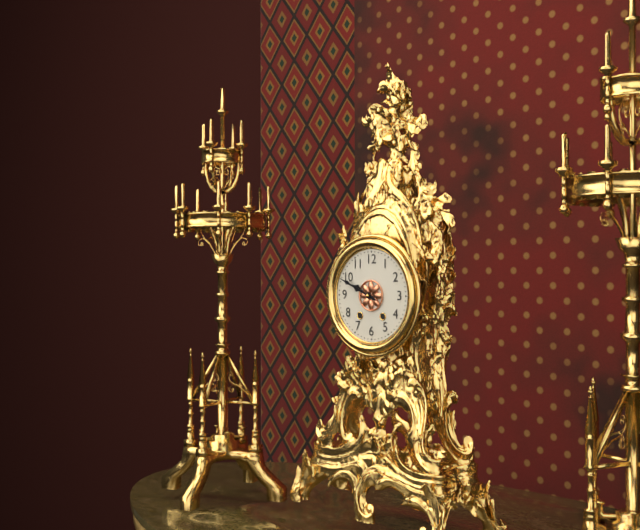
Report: h=9 m=49
